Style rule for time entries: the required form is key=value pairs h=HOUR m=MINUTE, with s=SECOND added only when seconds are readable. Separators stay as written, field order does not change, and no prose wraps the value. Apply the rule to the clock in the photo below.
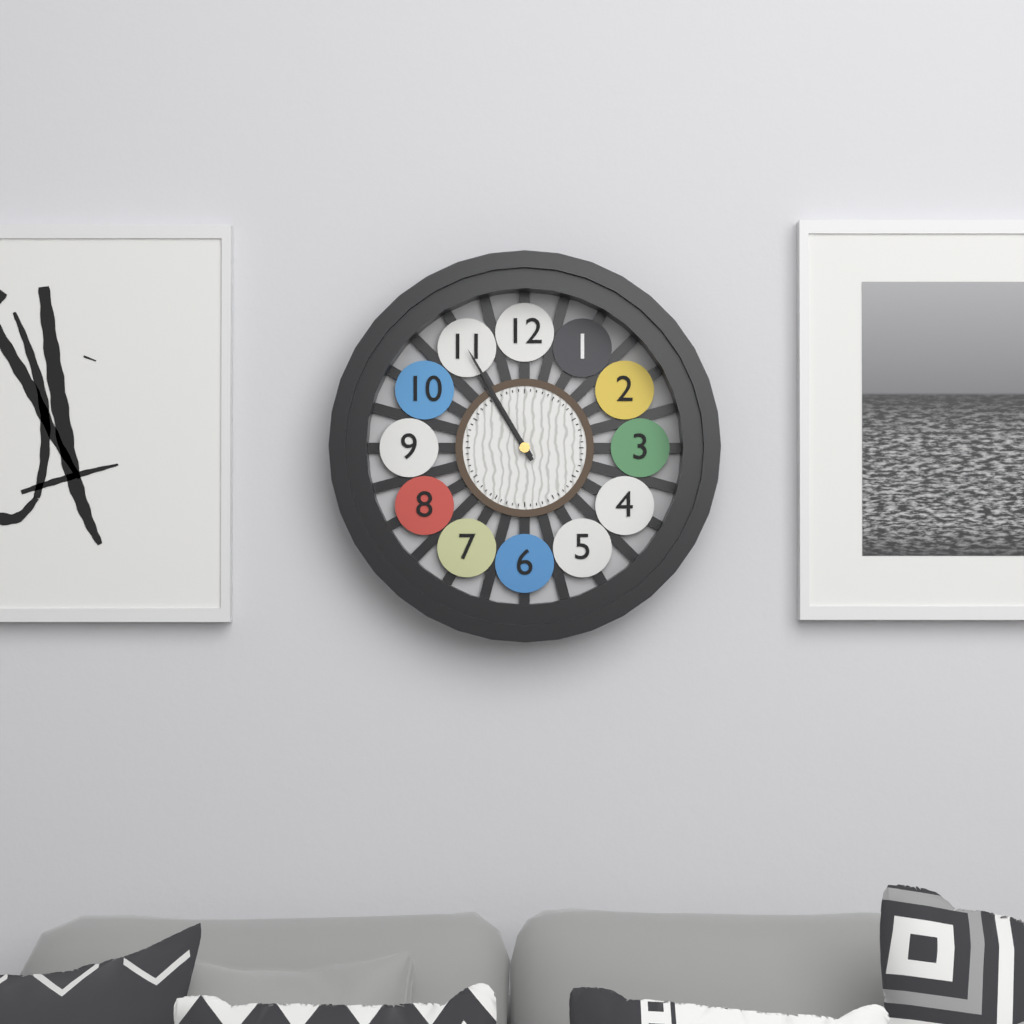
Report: h=10 m=55
